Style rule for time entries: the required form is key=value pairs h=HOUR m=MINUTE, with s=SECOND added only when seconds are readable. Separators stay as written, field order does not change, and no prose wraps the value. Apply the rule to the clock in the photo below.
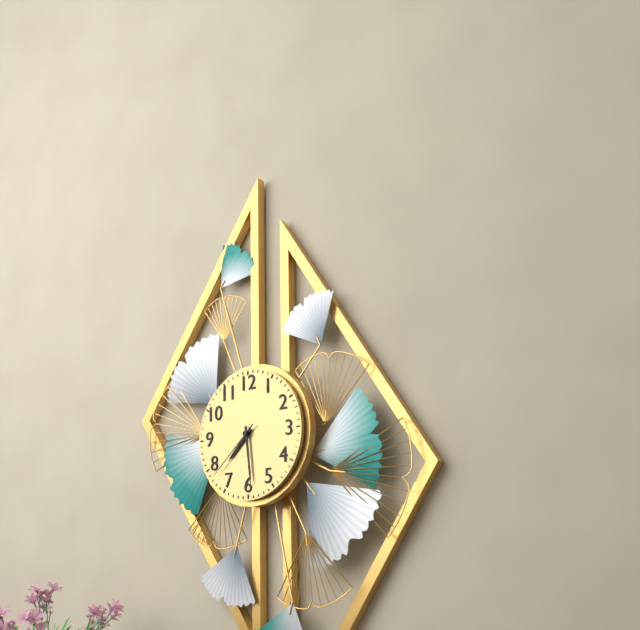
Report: h=7 m=29 s=38
